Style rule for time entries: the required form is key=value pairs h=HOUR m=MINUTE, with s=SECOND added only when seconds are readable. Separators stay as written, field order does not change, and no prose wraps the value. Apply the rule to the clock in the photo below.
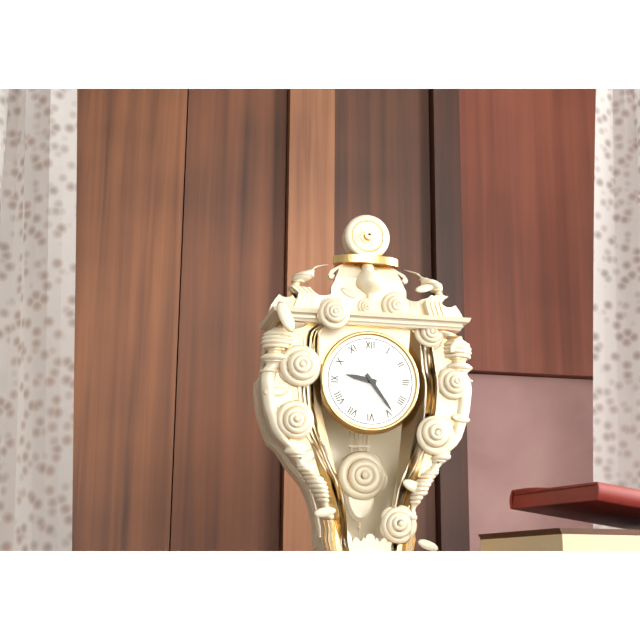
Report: h=9 m=24
